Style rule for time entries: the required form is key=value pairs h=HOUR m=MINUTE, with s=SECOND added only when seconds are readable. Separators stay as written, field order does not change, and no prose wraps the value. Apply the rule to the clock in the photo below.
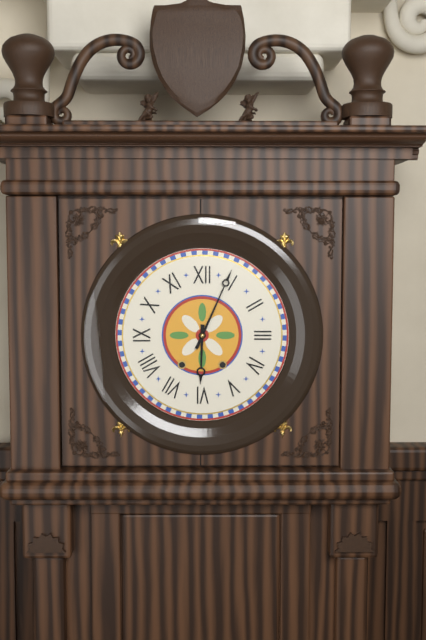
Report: h=6 m=4
